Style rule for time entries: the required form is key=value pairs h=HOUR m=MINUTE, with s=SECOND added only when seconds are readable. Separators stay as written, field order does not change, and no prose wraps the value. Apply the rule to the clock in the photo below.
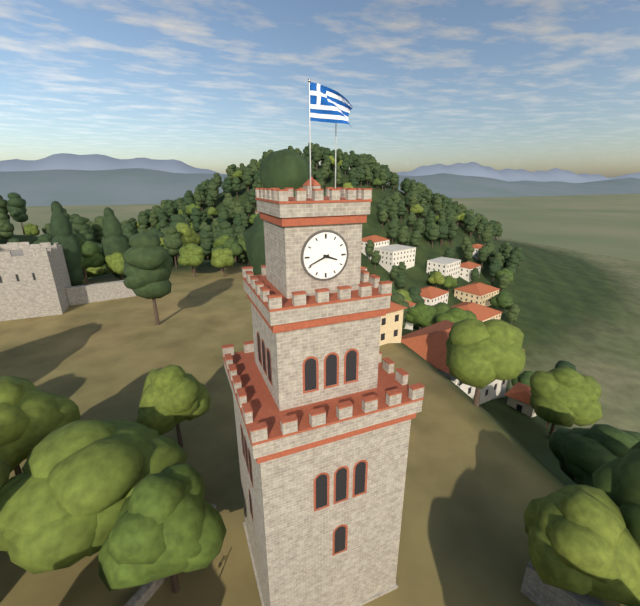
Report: h=3 m=41
